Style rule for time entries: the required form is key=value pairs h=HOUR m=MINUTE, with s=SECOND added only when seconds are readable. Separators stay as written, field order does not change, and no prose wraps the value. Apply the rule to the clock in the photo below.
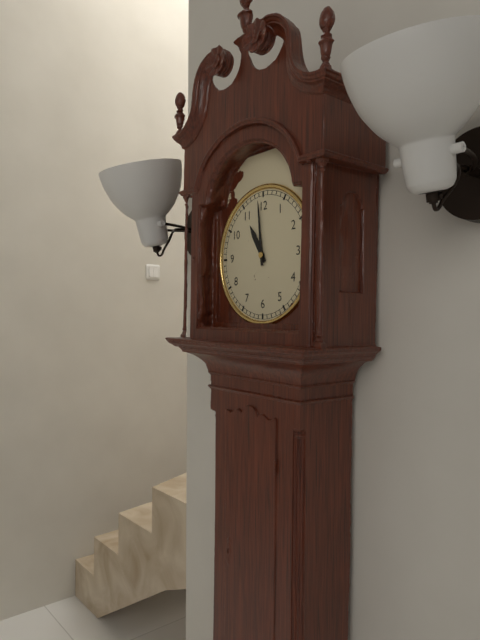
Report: h=10 m=59
